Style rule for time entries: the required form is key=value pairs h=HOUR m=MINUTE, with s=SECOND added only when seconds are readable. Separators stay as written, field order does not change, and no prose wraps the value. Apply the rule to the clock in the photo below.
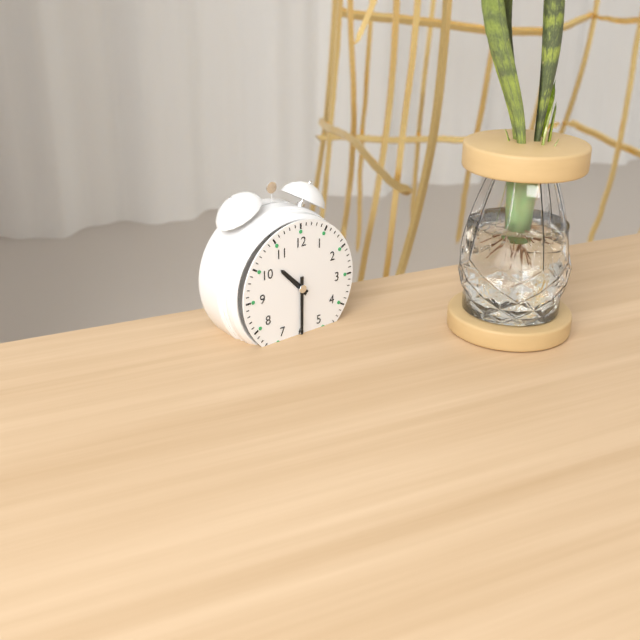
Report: h=10 m=30
